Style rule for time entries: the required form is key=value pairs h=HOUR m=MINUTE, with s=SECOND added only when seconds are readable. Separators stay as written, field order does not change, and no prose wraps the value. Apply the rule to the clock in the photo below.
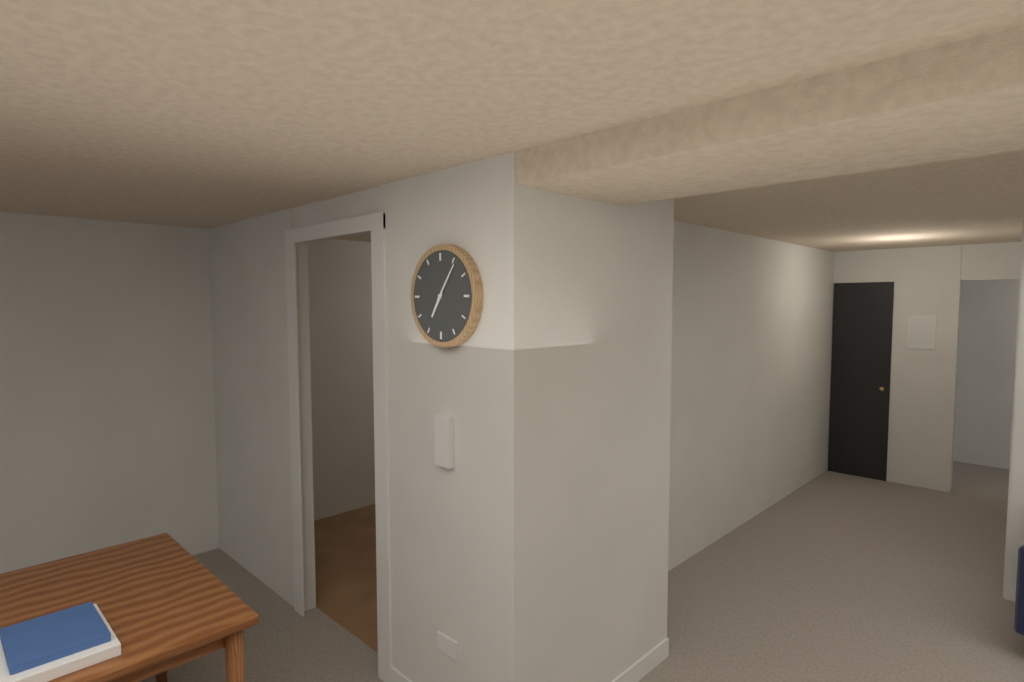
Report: h=7 m=6
